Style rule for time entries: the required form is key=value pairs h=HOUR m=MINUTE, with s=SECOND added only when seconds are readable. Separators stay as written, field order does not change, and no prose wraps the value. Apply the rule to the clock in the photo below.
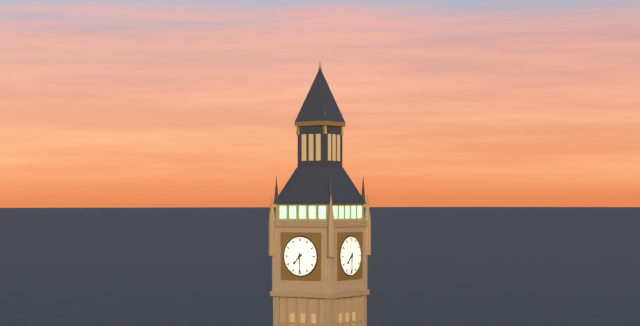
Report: h=7 m=30
